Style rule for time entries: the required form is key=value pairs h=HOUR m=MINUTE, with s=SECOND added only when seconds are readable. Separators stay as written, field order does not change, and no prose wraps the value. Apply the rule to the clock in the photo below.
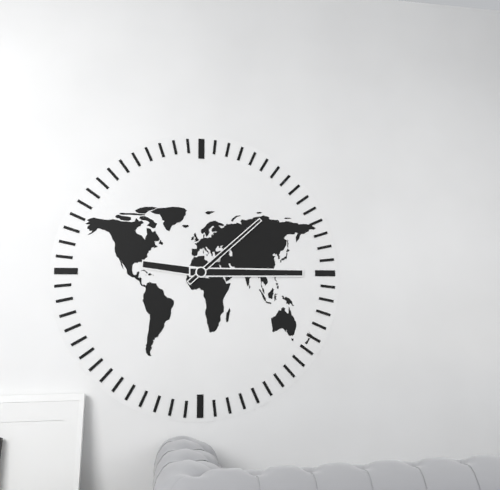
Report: h=9 m=15 s=8
